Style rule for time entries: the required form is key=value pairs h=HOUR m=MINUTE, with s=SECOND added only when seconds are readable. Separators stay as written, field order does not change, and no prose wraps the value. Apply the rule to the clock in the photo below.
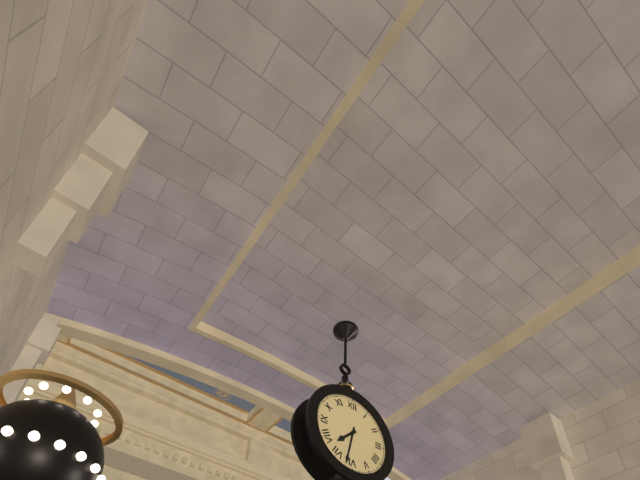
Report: h=7 m=32
